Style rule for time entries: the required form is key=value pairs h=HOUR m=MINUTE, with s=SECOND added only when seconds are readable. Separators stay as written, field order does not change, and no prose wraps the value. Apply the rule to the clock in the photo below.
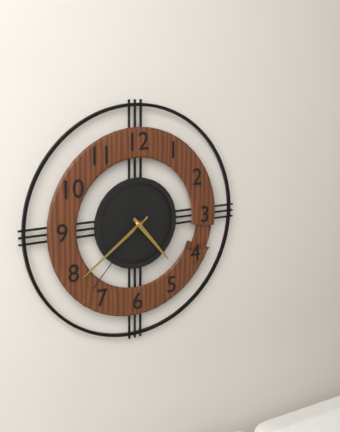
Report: h=4 m=39 s=37
